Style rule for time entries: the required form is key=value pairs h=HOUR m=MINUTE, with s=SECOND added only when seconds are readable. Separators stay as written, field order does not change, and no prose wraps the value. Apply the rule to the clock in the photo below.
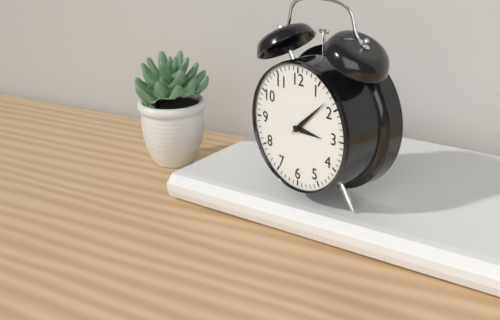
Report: h=3 m=8
